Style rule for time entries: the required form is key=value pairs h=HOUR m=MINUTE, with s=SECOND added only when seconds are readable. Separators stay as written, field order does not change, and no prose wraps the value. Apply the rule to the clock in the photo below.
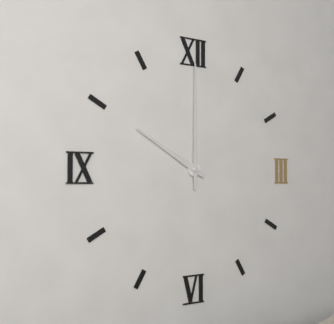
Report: h=10 m=0
